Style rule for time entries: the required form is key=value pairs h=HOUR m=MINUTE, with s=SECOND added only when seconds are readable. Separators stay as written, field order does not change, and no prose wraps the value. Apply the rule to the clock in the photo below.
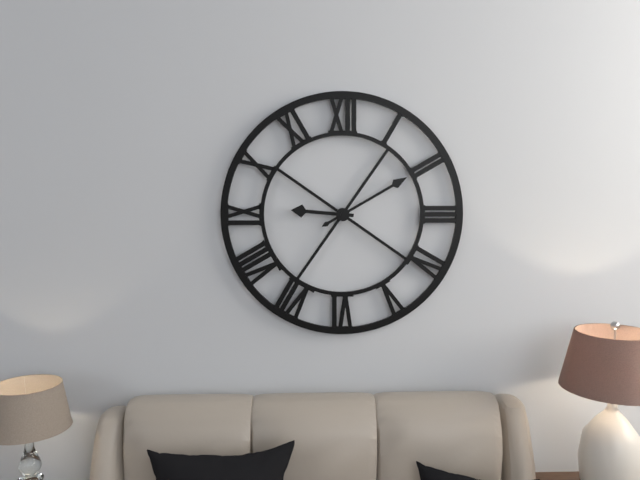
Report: h=9 m=10
